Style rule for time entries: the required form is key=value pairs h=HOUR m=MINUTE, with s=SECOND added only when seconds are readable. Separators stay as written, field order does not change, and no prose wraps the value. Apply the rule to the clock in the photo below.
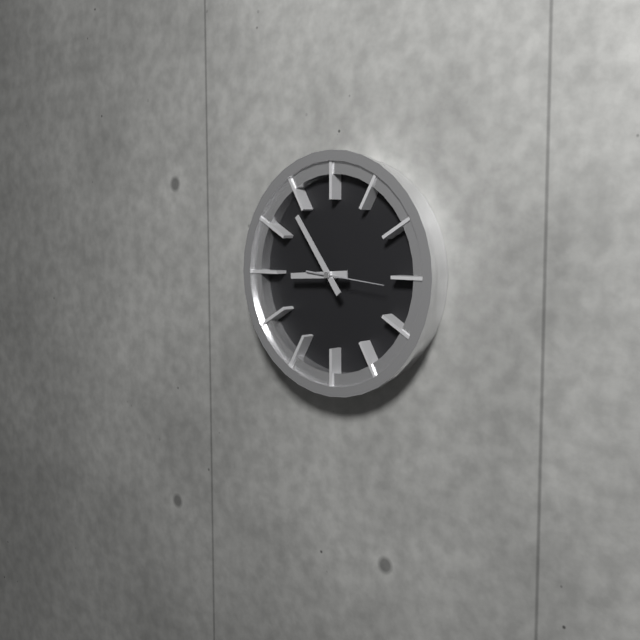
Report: h=8 m=54
